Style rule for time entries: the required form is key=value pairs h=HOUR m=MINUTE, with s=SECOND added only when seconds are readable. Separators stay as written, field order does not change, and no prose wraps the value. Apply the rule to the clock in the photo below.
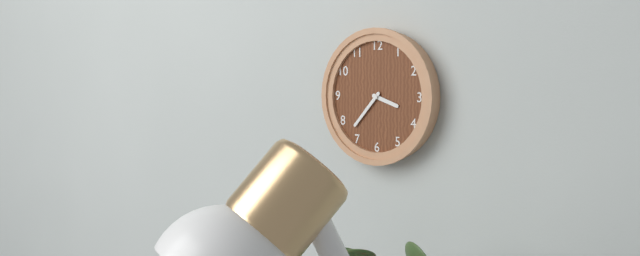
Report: h=3 m=37
